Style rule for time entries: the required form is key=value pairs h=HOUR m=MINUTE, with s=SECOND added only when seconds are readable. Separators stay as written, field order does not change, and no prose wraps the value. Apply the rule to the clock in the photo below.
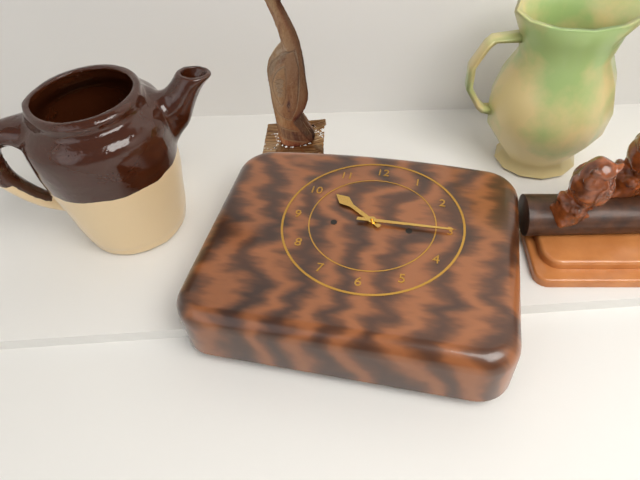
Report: h=10 m=15
